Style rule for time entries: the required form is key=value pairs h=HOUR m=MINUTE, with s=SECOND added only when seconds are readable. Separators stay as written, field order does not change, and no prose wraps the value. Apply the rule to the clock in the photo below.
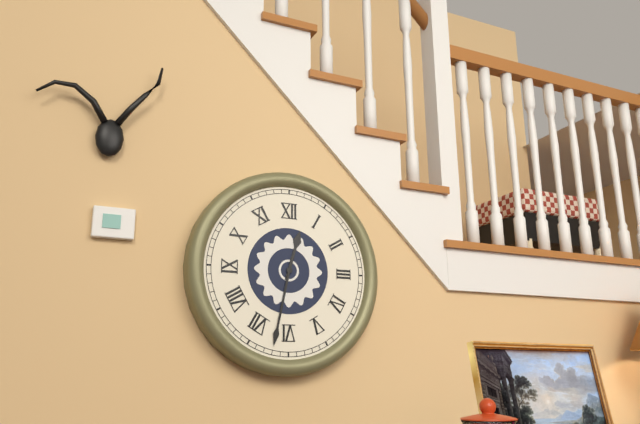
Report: h=12 m=32
